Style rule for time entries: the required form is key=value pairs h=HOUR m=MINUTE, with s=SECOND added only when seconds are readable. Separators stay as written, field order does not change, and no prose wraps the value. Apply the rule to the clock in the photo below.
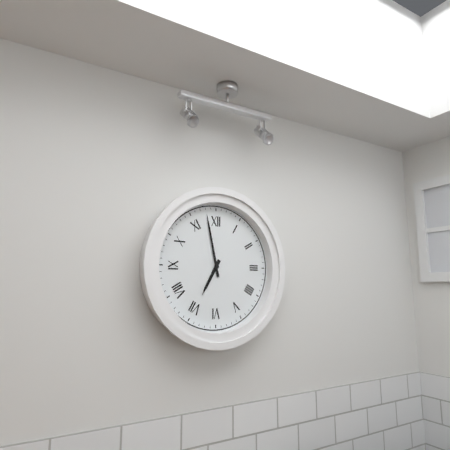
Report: h=6 m=58
